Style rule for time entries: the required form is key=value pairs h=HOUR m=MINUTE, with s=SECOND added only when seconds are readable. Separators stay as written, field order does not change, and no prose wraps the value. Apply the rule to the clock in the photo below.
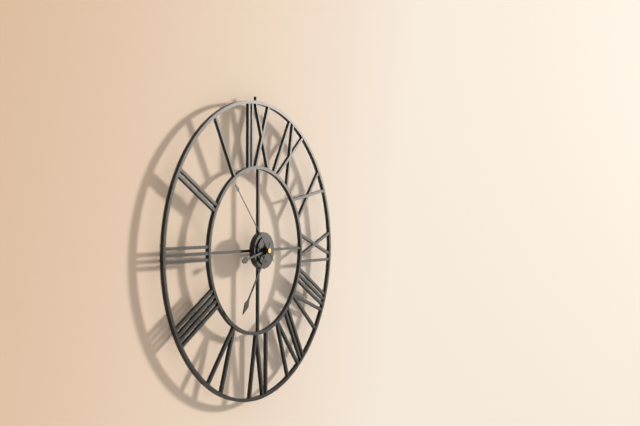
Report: h=8 m=36 s=53
